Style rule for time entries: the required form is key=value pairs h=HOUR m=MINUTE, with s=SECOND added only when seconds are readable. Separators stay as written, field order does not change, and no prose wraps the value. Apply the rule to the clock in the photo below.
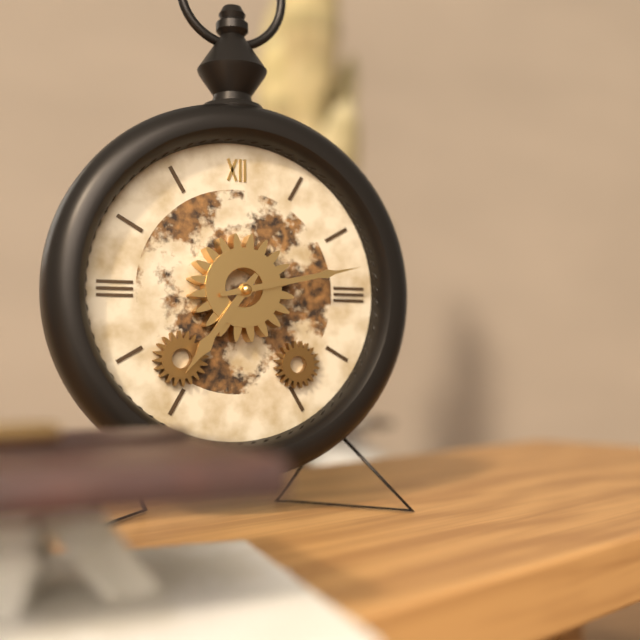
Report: h=7 m=13
